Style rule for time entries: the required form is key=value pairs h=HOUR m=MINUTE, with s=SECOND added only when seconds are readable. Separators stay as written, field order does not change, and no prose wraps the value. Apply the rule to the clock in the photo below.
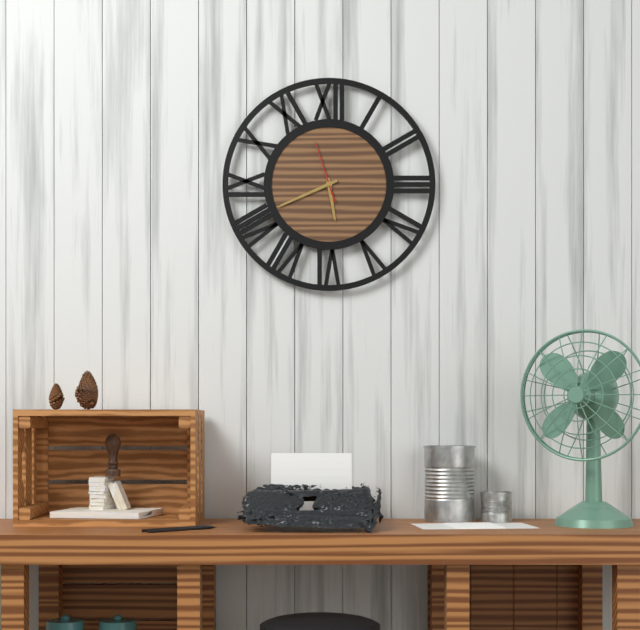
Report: h=5 m=41 s=57
